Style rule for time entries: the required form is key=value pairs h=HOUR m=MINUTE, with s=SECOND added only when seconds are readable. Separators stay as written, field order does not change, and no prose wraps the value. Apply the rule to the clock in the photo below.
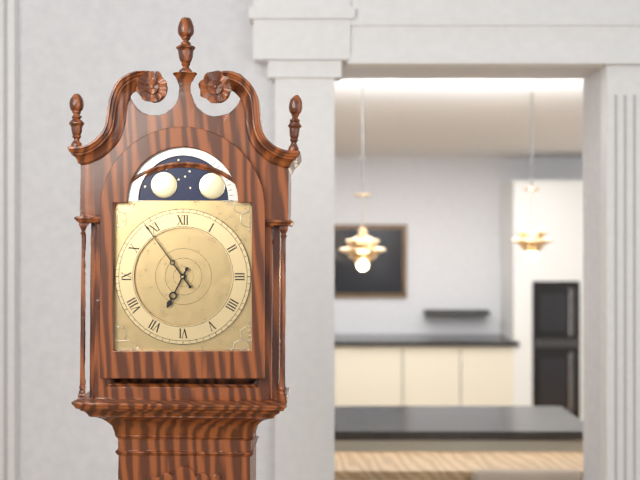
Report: h=6 m=54
